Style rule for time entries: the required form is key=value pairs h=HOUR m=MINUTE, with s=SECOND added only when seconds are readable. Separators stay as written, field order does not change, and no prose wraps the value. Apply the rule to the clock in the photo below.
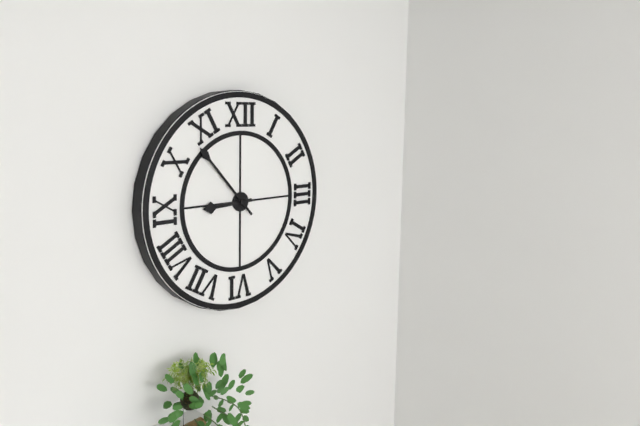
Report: h=8 m=53
